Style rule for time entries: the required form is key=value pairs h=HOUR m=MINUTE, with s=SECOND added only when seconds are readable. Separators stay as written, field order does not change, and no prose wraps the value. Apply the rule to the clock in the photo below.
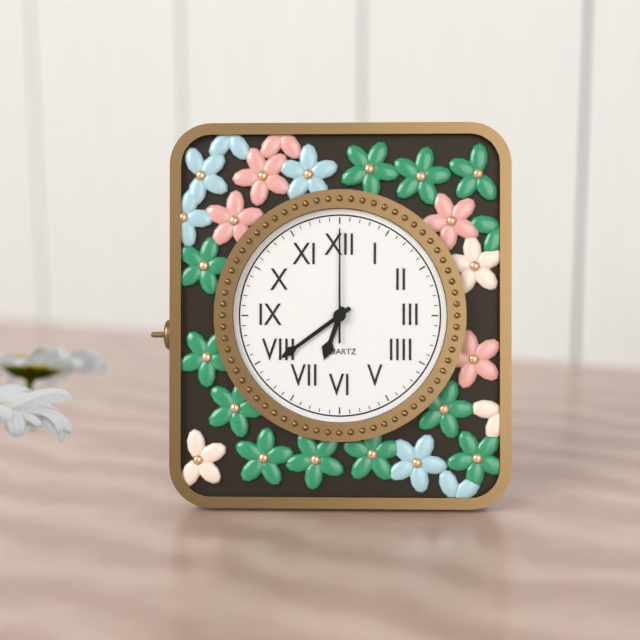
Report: h=6 m=39 s=0
